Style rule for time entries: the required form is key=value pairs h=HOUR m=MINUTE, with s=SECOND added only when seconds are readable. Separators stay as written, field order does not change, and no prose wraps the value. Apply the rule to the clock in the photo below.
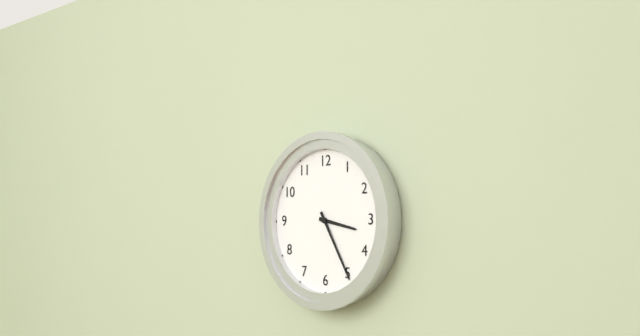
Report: h=3 m=25
